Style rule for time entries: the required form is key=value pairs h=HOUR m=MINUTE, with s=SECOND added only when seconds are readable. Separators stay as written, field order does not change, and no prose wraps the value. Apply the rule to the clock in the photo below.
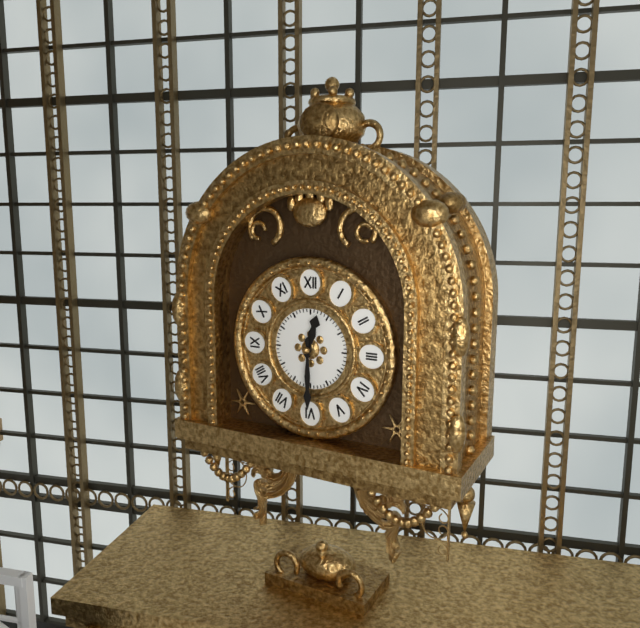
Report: h=12 m=30
